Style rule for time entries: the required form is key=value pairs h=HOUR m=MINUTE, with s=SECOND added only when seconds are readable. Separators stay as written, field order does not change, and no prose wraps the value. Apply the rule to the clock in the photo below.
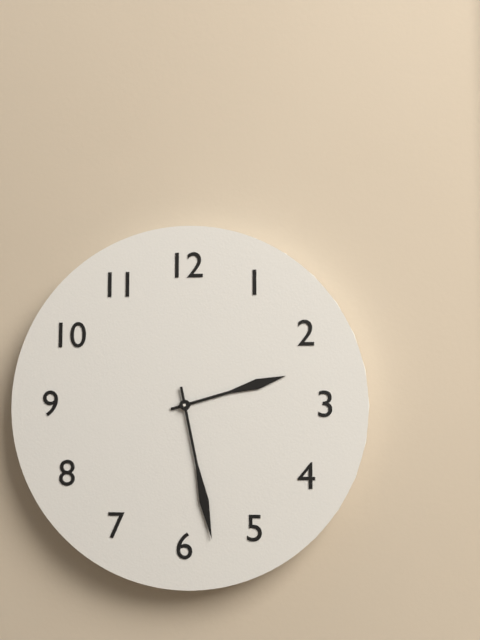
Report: h=2 m=28
